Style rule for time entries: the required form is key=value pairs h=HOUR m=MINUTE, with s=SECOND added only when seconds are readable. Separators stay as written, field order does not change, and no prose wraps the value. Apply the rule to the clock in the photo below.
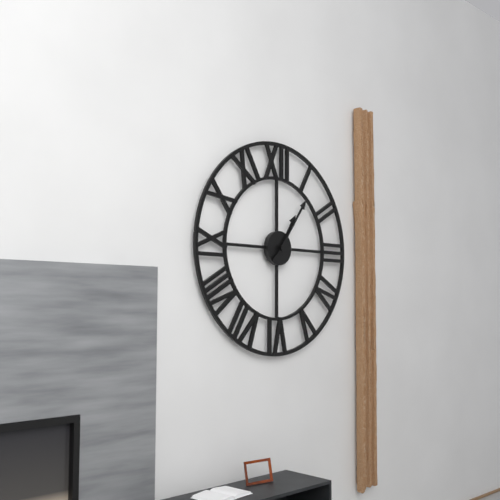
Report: h=1 m=6
